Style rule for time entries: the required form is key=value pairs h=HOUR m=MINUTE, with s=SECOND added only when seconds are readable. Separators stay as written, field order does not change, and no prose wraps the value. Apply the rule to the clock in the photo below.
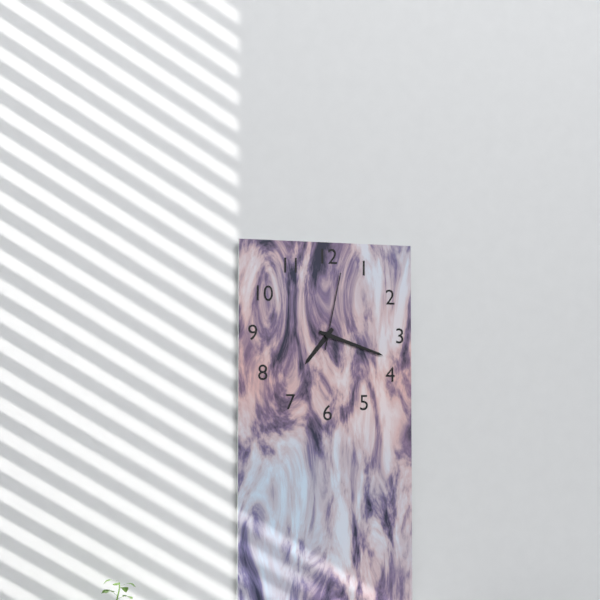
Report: h=7 m=18 s=2
